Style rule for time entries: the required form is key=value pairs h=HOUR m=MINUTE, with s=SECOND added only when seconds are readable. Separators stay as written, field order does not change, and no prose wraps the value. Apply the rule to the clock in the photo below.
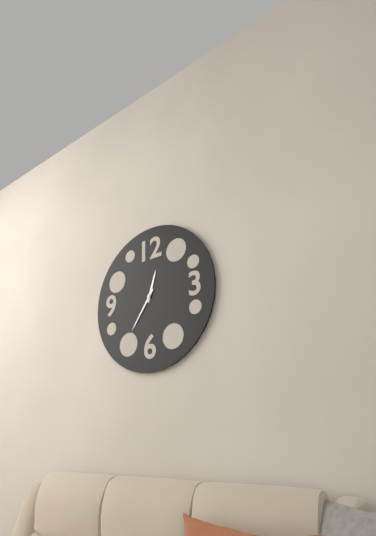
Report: h=12 m=36
